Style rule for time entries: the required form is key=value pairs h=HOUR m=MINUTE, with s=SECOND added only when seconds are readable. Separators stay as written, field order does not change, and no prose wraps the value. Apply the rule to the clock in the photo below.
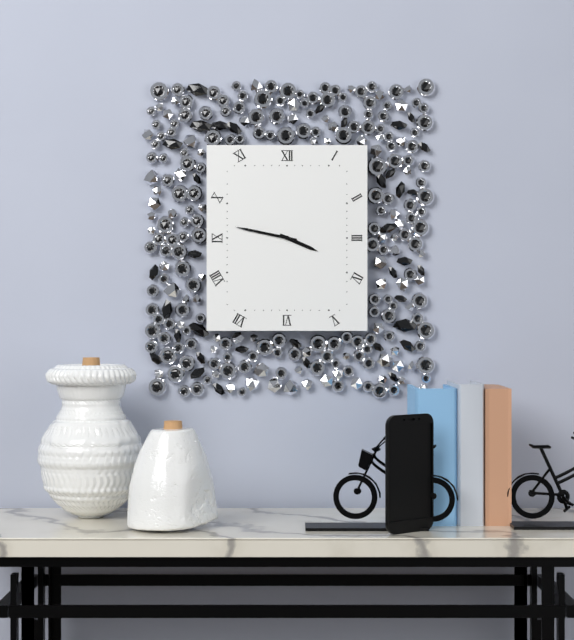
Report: h=3 m=47
